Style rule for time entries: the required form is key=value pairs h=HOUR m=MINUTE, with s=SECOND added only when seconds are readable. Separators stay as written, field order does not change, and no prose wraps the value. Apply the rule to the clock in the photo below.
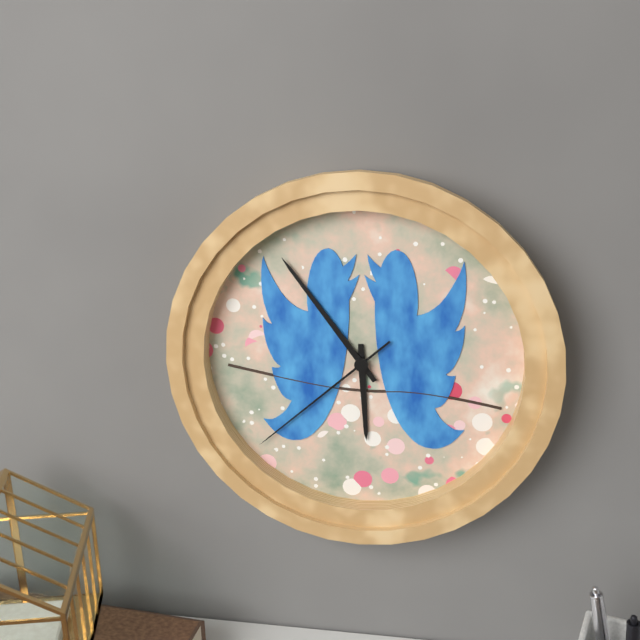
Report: h=5 m=54 s=38
